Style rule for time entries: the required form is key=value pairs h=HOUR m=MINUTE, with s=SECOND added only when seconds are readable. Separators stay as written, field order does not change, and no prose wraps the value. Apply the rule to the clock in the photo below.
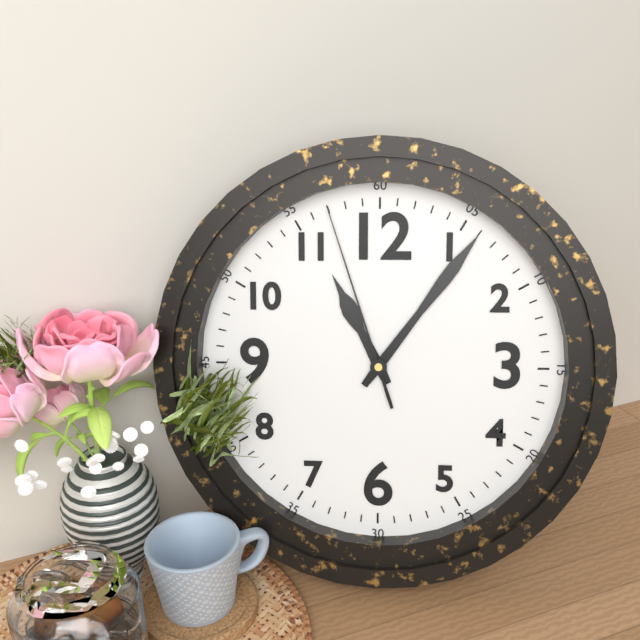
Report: h=11 m=6 s=57
